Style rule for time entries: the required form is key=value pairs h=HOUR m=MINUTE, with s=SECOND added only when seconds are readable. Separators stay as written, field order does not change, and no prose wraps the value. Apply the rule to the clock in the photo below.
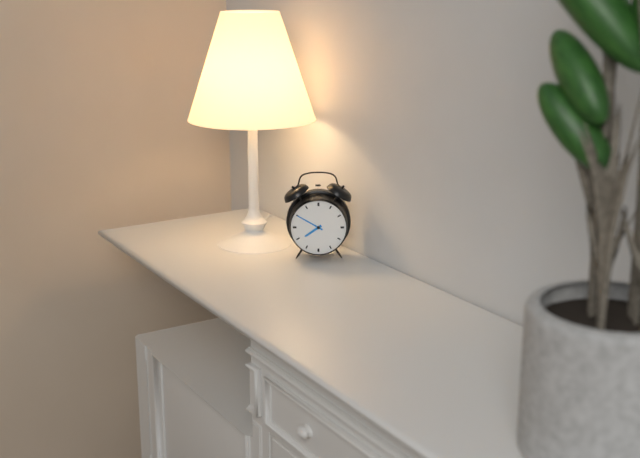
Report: h=7 m=50
